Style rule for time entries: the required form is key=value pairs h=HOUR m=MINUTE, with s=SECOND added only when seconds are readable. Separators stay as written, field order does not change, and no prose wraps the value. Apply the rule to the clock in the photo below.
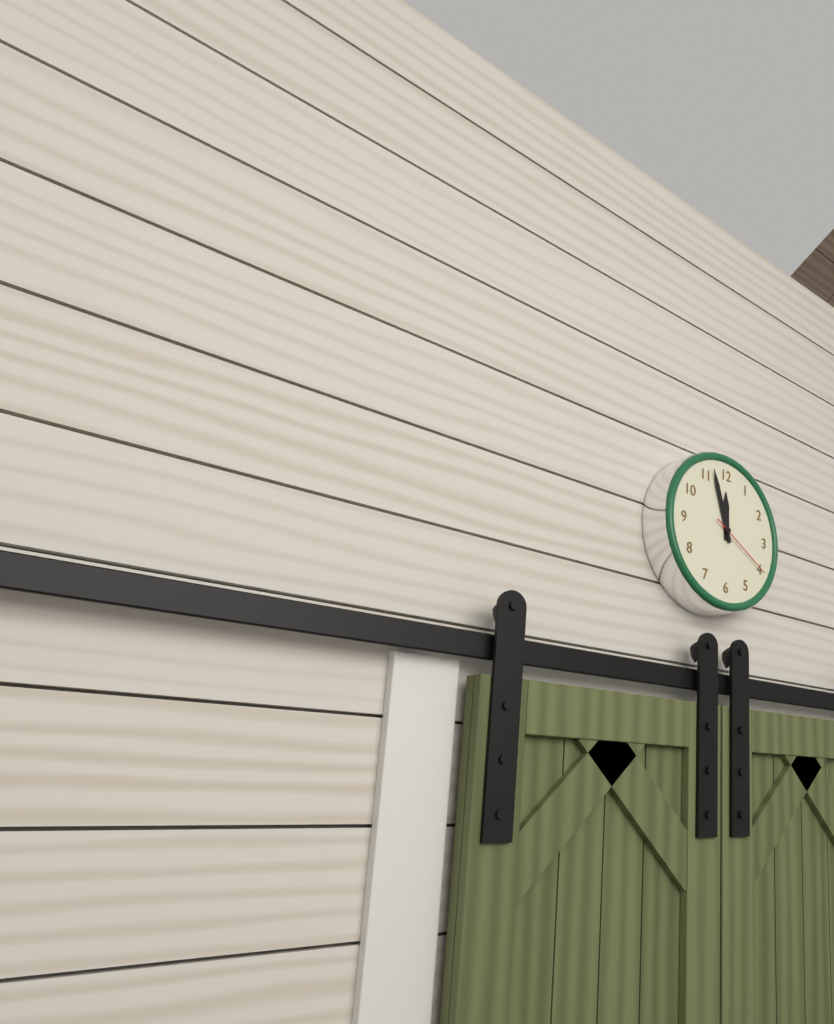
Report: h=11 m=57 s=20
